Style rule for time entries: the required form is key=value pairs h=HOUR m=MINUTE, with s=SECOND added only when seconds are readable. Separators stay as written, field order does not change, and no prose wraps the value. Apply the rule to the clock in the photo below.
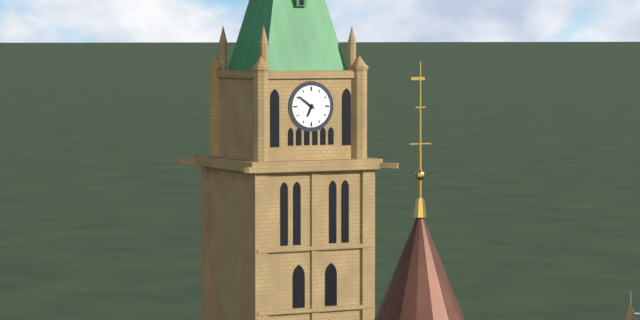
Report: h=6 m=51
